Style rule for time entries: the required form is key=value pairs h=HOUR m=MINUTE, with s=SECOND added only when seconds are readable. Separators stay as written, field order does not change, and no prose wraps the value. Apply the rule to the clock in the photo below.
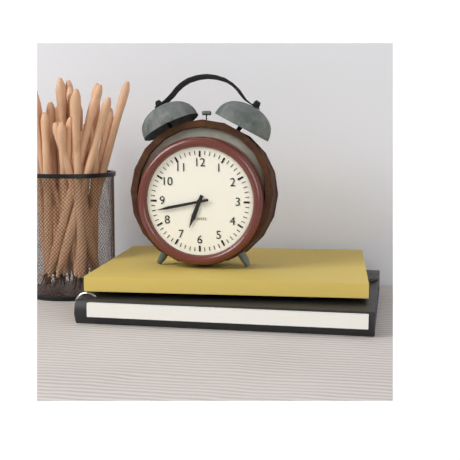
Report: h=6 m=43
